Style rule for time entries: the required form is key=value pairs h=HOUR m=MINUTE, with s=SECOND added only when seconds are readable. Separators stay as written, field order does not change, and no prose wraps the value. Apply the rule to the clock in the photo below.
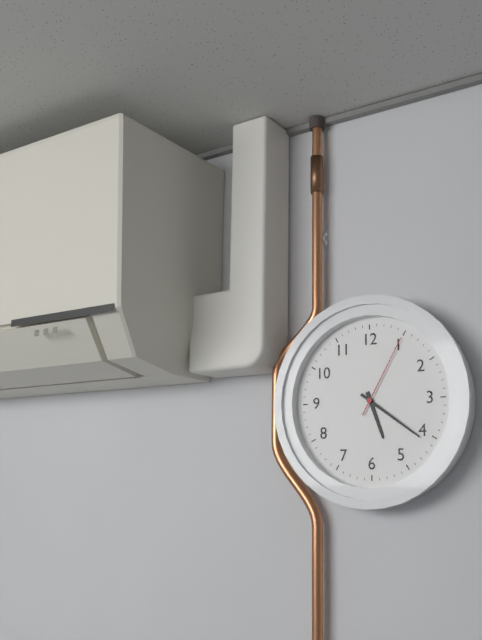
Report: h=5 m=21 s=5
